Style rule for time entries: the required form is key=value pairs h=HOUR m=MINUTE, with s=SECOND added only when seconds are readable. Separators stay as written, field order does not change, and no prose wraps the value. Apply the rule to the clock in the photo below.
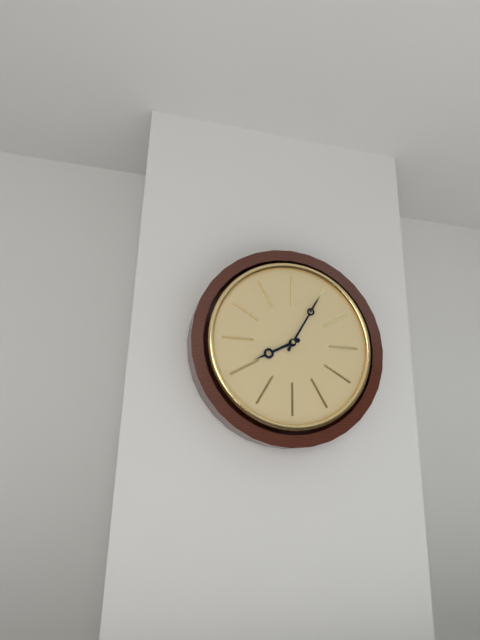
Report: h=8 m=5
